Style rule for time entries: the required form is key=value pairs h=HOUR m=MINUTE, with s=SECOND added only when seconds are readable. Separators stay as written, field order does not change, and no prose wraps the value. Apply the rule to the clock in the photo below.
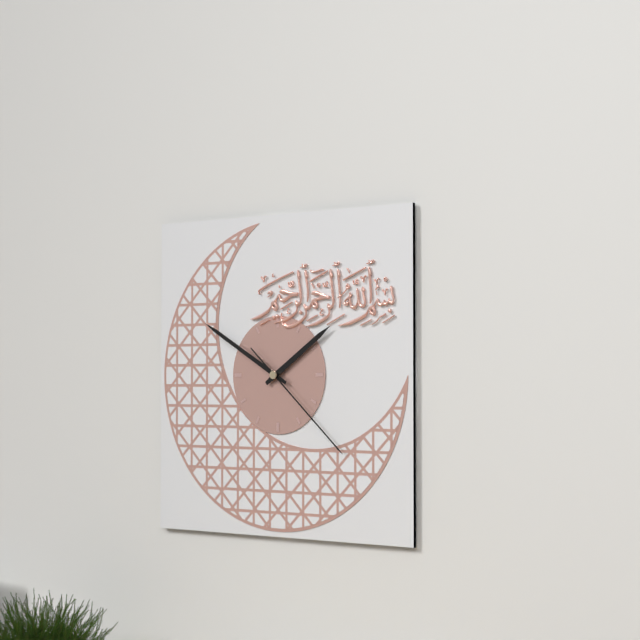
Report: h=1 m=50 s=22
